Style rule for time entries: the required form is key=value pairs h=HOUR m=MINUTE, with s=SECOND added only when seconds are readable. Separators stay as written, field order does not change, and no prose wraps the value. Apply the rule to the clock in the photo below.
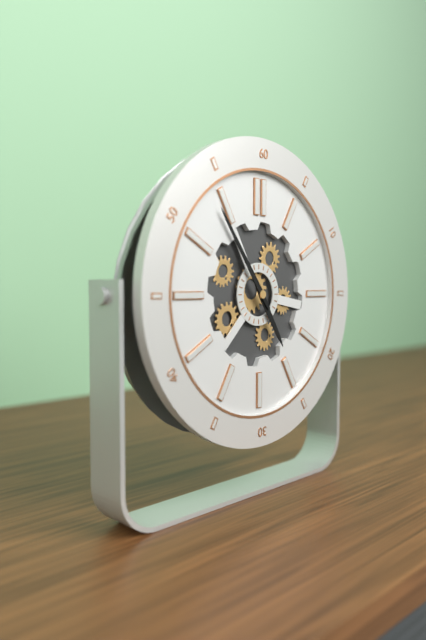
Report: h=4 m=54
